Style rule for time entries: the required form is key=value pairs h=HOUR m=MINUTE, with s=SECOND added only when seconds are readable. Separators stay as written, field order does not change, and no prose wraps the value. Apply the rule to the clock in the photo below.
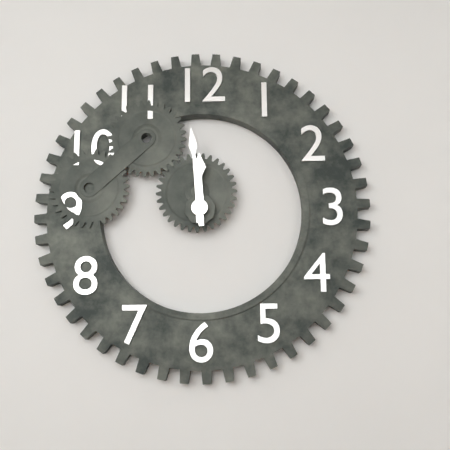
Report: h=11 m=59
